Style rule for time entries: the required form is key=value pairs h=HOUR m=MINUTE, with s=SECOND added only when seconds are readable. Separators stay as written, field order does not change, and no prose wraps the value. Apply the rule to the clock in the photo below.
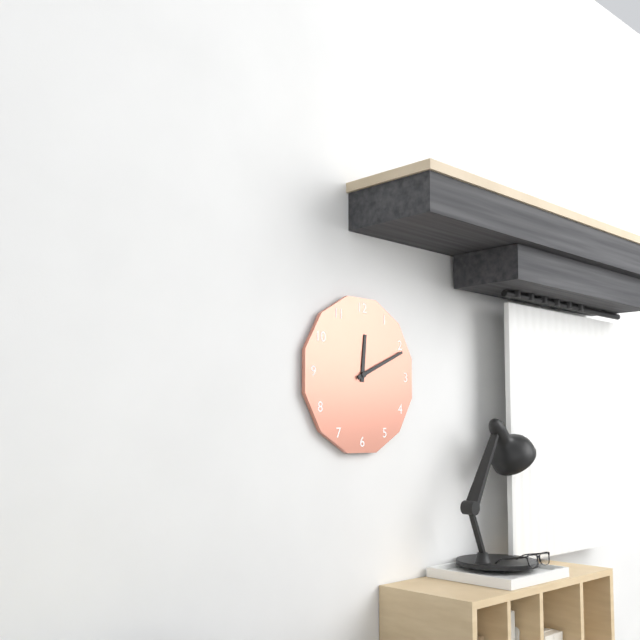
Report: h=12 m=11
